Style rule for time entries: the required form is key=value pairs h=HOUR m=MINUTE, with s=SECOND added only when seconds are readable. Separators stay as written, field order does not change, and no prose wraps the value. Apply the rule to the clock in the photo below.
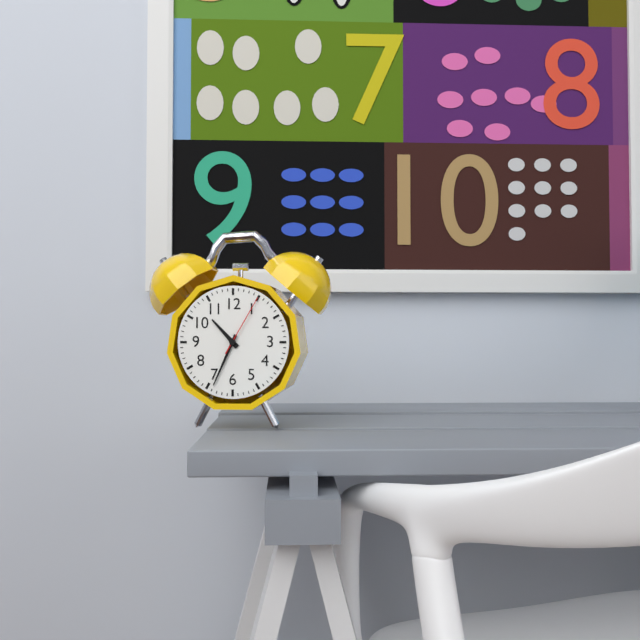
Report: h=10 m=34 s=5
